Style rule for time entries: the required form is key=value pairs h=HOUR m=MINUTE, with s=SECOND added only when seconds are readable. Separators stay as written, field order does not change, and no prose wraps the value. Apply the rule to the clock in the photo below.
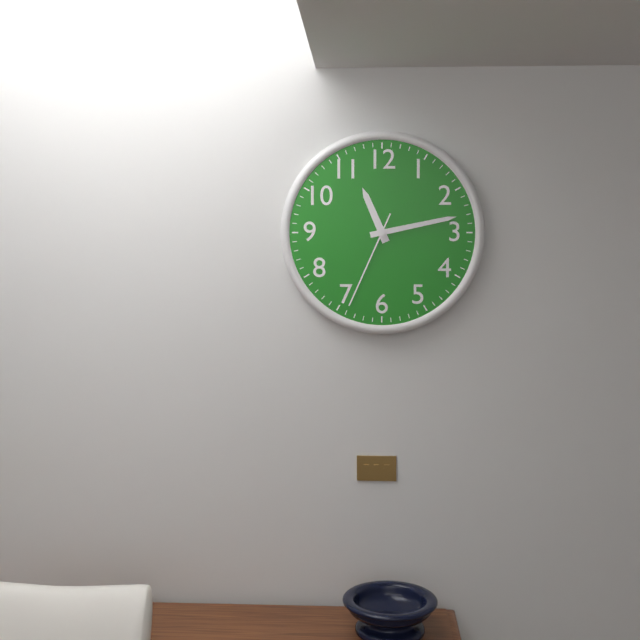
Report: h=11 m=13 s=34
